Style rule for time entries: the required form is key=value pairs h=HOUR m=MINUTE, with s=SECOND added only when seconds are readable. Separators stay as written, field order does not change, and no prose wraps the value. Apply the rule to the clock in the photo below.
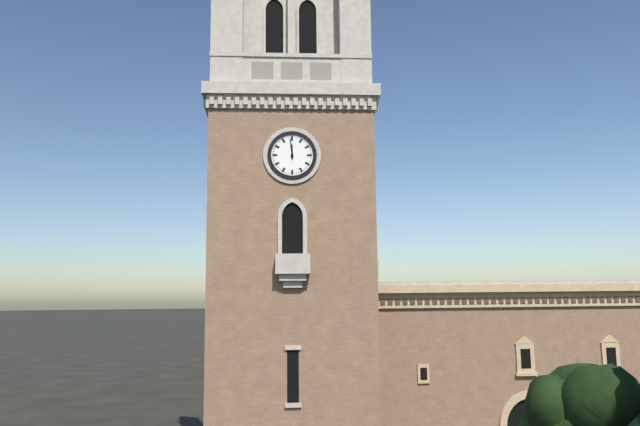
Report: h=11 m=59
